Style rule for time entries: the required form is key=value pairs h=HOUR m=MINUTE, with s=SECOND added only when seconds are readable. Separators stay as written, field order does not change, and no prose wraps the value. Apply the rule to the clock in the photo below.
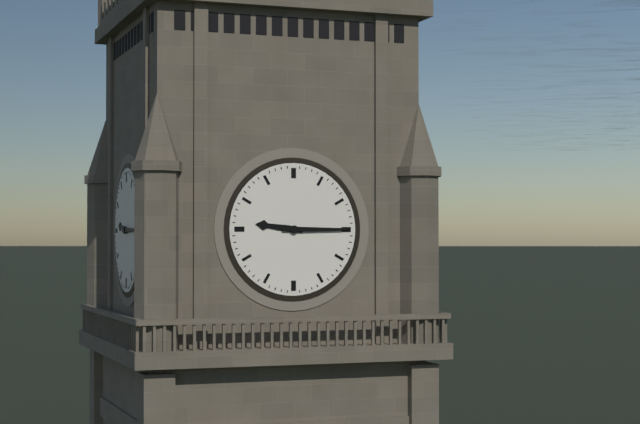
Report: h=9 m=15
